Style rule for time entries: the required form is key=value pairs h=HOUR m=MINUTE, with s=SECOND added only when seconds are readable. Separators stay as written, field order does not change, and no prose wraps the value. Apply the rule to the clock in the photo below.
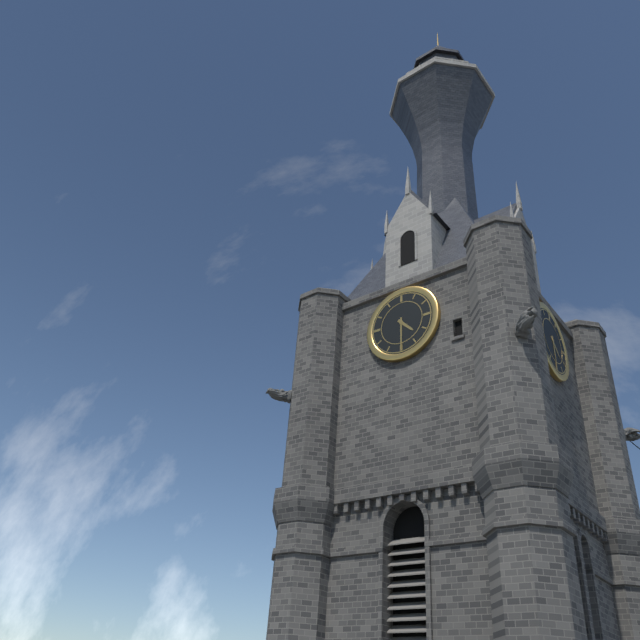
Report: h=4 m=30
